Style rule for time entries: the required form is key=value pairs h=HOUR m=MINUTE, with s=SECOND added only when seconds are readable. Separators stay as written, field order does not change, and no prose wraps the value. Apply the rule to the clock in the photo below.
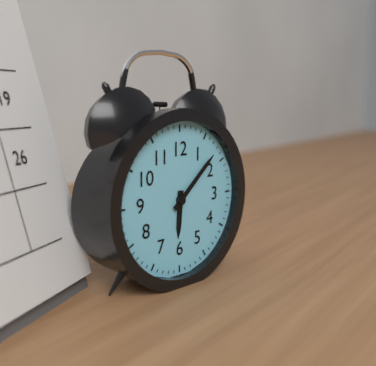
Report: h=6 m=8
